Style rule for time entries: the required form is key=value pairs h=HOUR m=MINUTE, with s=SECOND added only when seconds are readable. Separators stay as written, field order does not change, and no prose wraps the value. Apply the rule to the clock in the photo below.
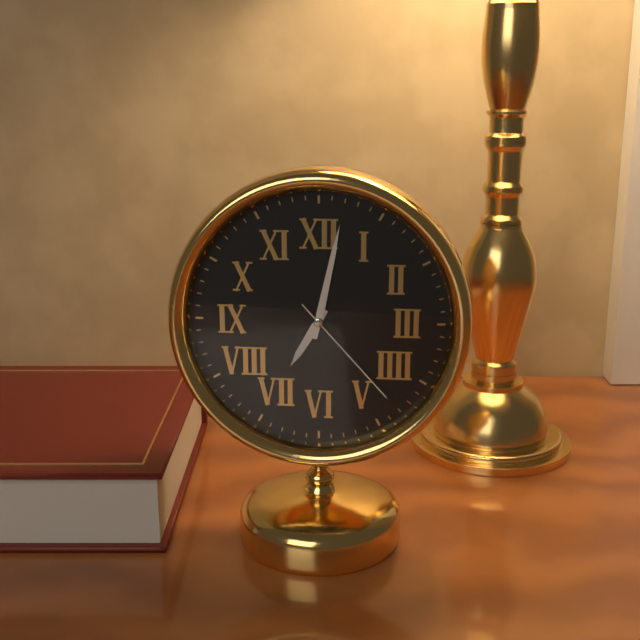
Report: h=7 m=2 s=23
